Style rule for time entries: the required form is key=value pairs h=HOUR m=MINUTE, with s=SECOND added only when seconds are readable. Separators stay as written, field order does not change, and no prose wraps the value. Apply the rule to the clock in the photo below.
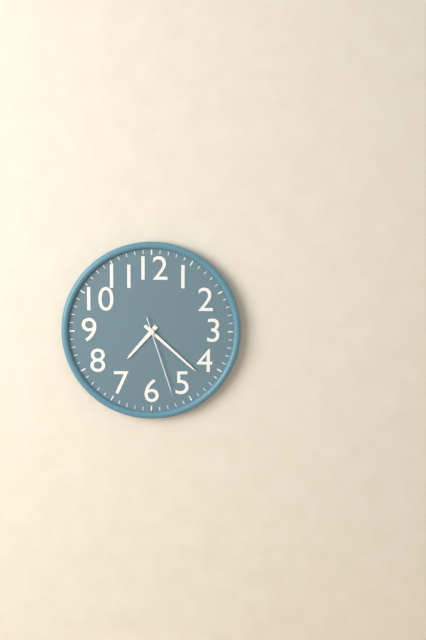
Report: h=7 m=22 s=27
